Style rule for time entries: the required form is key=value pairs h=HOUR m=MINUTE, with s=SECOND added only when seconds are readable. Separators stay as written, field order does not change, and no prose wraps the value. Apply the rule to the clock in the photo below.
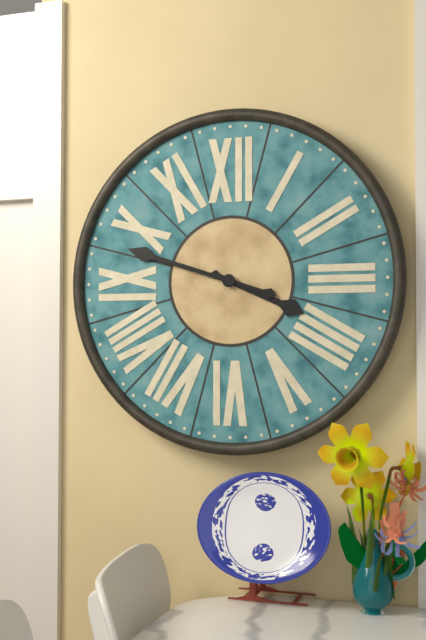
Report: h=3 m=48
